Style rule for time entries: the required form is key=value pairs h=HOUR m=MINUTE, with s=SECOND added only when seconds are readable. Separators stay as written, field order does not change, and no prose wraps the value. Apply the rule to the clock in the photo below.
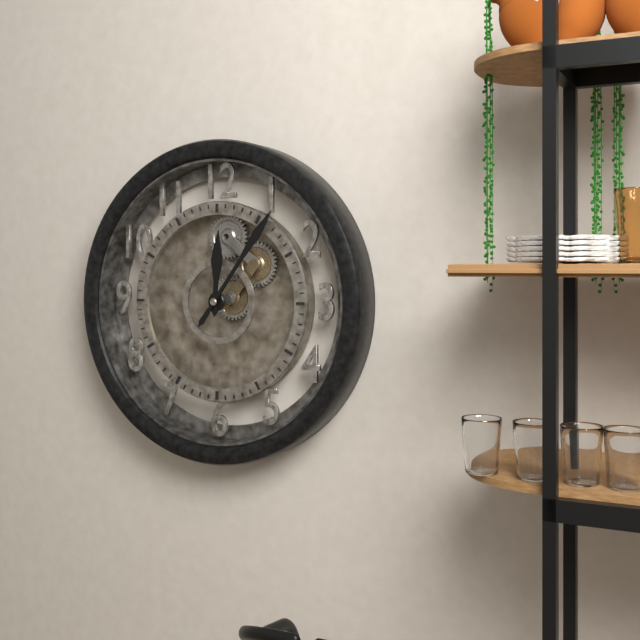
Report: h=12 m=6
